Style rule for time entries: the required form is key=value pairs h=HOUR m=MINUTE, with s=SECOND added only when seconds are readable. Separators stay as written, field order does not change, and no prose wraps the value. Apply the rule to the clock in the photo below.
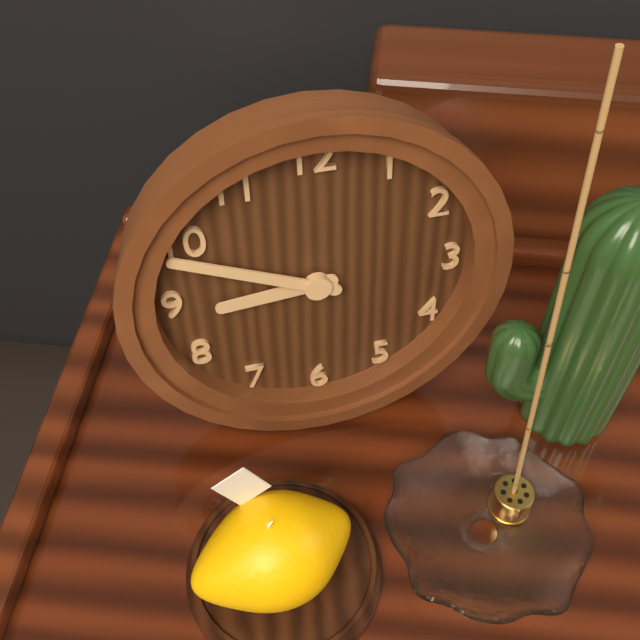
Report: h=8 m=49
